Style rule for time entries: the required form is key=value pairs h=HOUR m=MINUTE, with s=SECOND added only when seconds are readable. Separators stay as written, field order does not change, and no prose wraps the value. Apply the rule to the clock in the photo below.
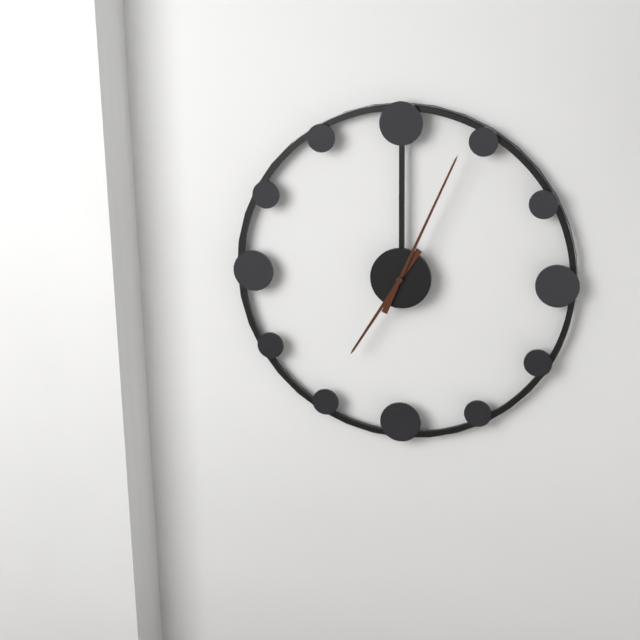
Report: h=7 m=4
